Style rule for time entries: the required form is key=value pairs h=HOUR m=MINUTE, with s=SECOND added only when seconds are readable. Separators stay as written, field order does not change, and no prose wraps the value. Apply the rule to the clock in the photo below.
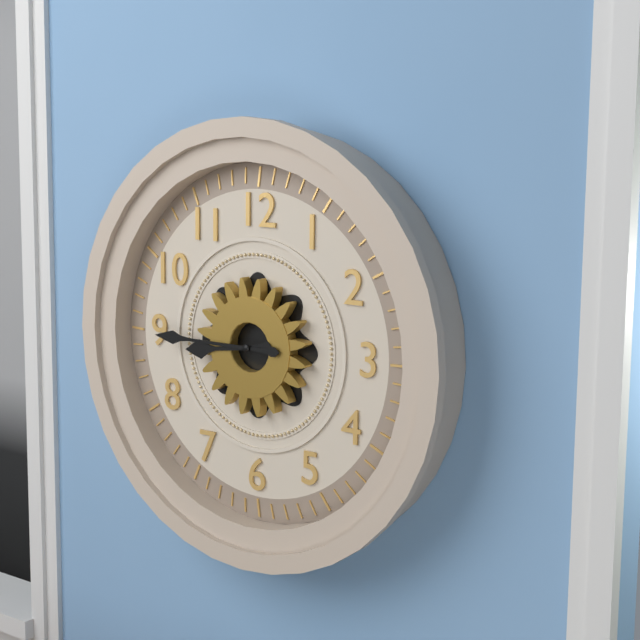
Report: h=8 m=45
